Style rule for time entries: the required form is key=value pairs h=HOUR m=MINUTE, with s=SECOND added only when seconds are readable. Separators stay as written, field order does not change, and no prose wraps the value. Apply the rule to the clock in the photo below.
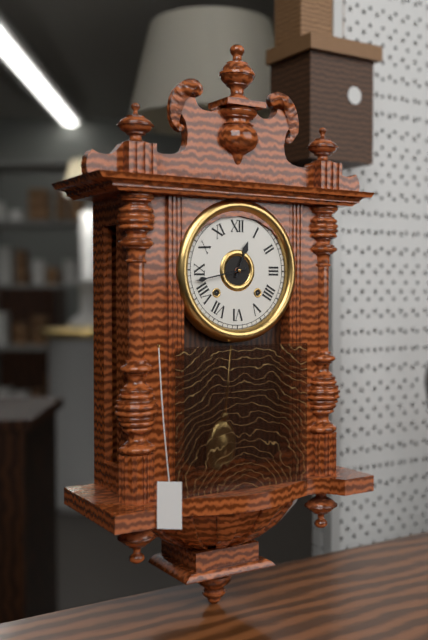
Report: h=12 m=43
